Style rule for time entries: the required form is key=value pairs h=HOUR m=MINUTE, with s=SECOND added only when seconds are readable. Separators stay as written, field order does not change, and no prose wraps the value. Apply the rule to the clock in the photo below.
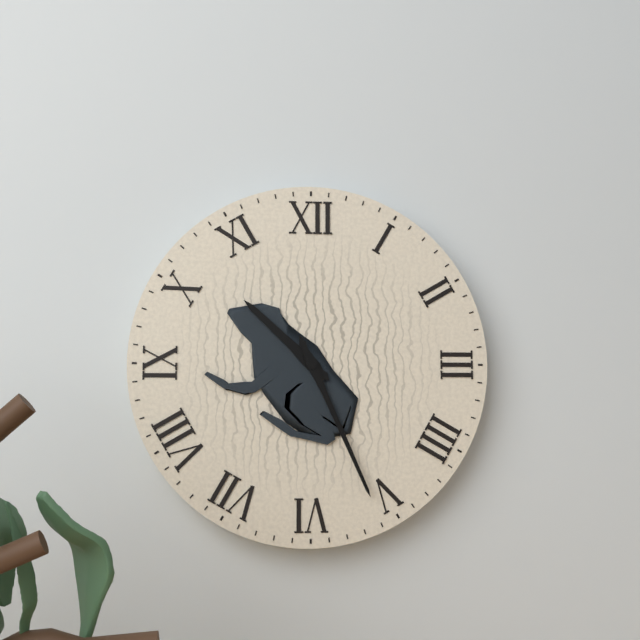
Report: h=10 m=26
